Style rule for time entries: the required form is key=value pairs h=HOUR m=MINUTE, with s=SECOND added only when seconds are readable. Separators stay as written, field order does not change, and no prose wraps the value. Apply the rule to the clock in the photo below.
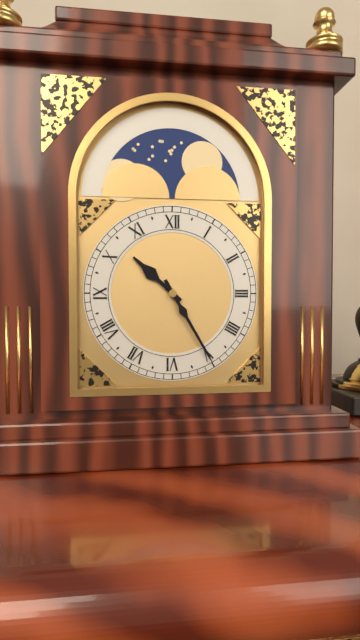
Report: h=10 m=25
